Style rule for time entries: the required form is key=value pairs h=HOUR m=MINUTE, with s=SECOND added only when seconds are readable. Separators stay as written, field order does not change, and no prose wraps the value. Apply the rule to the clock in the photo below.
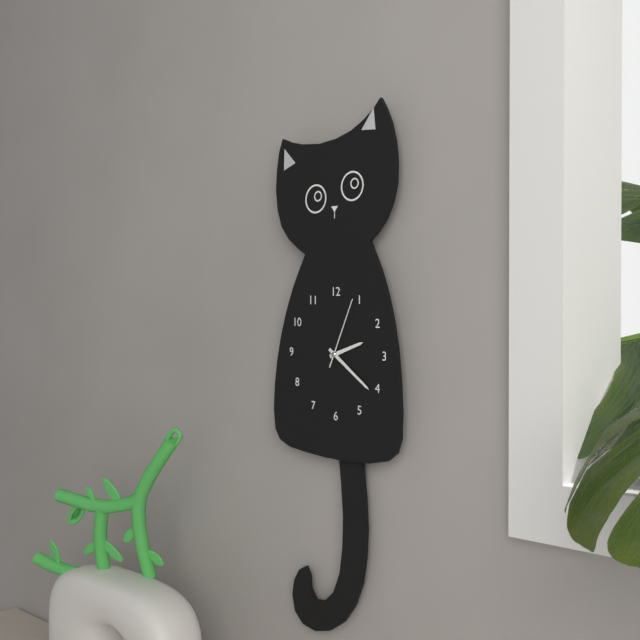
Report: h=2 m=21 s=4
